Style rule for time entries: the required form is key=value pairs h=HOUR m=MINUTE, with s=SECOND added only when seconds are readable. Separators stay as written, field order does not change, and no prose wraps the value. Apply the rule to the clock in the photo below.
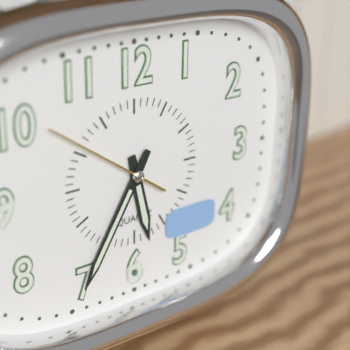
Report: h=5 m=35 s=51
